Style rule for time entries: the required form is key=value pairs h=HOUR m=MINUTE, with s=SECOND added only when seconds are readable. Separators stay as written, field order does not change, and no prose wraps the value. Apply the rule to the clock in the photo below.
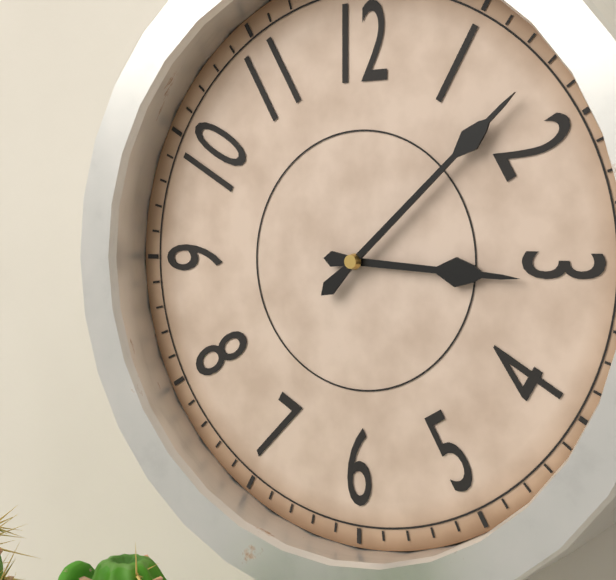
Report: h=3 m=8
